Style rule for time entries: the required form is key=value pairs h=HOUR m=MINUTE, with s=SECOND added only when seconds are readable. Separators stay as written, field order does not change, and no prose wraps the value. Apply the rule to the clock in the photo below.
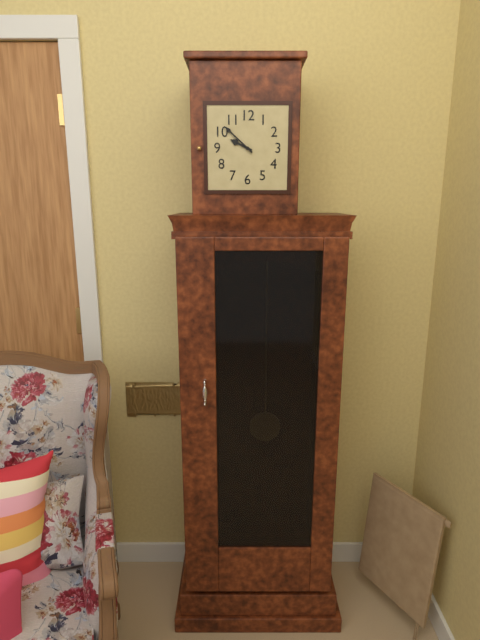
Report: h=9 m=52
